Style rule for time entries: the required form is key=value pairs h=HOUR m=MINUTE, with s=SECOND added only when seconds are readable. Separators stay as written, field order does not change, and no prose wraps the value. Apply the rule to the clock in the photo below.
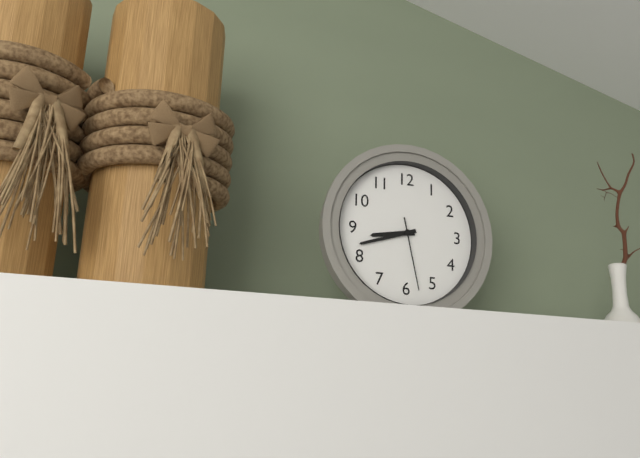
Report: h=8 m=42 s=28
